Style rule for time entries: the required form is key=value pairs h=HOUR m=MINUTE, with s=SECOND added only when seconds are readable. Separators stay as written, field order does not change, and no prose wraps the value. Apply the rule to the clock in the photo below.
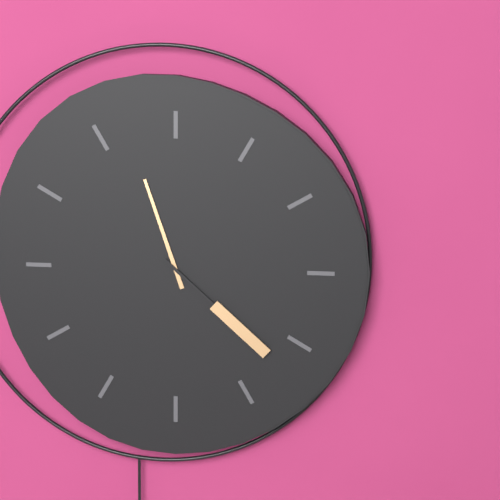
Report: h=11 m=22
